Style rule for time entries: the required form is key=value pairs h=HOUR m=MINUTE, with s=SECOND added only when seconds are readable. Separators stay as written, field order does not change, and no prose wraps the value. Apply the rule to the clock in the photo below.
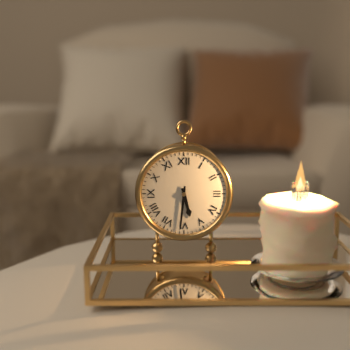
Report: h=5 m=31
